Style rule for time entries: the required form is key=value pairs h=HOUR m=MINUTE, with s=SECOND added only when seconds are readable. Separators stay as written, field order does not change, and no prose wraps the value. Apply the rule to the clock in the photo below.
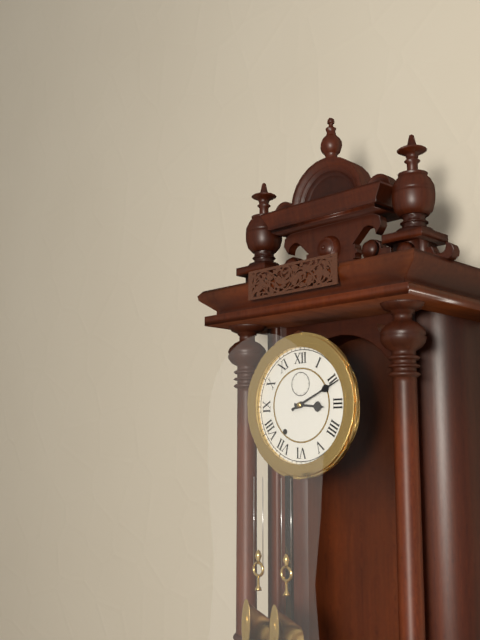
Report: h=3 m=11
